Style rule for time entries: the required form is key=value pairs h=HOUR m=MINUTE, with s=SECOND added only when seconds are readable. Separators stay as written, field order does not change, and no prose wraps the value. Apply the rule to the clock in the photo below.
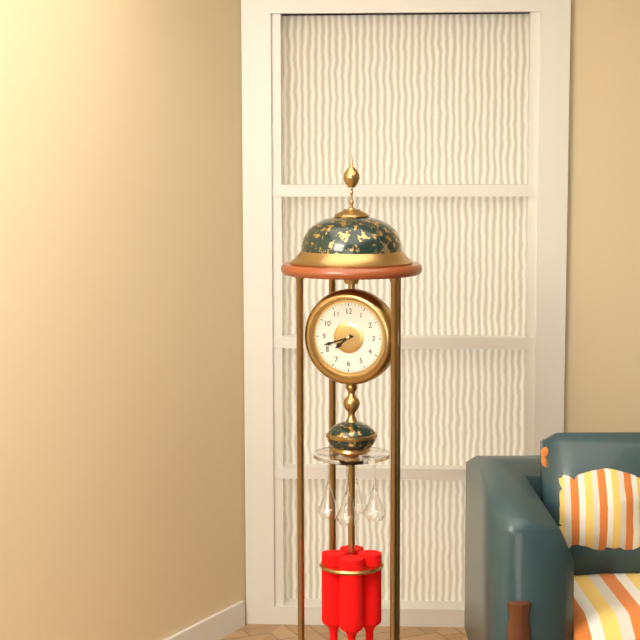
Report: h=7 m=42
